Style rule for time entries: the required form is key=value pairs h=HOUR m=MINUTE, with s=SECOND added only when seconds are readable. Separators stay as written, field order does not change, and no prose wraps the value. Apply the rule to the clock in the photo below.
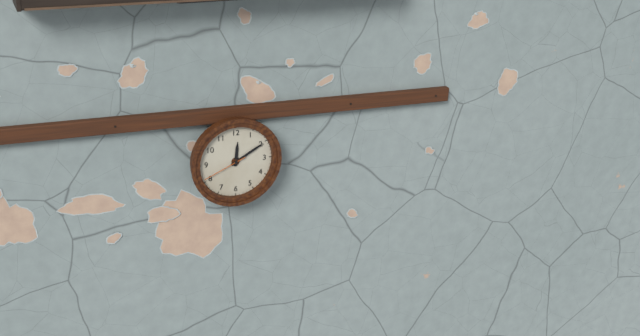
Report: h=12 m=10
